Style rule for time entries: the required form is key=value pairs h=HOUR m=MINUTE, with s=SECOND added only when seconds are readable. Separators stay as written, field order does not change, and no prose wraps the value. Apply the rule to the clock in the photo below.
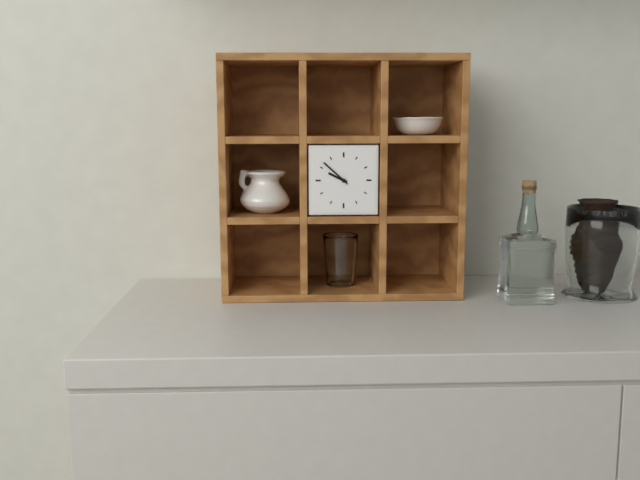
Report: h=9 m=52
